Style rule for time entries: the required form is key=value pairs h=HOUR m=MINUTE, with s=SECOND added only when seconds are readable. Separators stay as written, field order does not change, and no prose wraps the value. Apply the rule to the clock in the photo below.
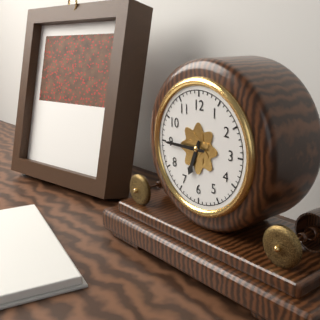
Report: h=6 m=45
